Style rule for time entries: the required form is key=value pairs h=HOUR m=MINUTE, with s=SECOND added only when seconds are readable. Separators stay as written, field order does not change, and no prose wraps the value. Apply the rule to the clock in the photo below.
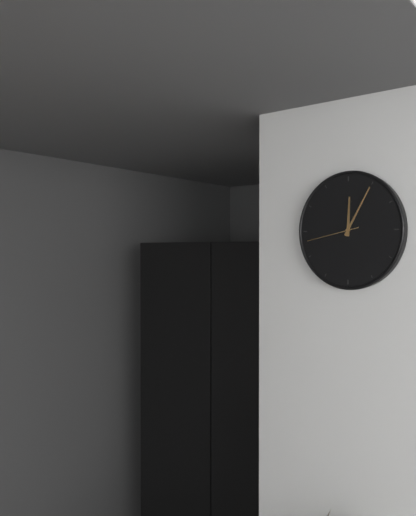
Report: h=12 m=5 s=43
